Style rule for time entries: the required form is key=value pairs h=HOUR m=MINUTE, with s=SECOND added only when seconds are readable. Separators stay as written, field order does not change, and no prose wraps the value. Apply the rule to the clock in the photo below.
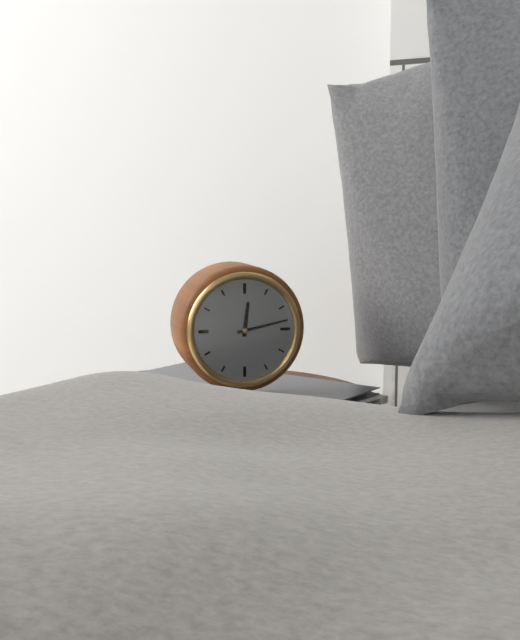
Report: h=12 m=13
